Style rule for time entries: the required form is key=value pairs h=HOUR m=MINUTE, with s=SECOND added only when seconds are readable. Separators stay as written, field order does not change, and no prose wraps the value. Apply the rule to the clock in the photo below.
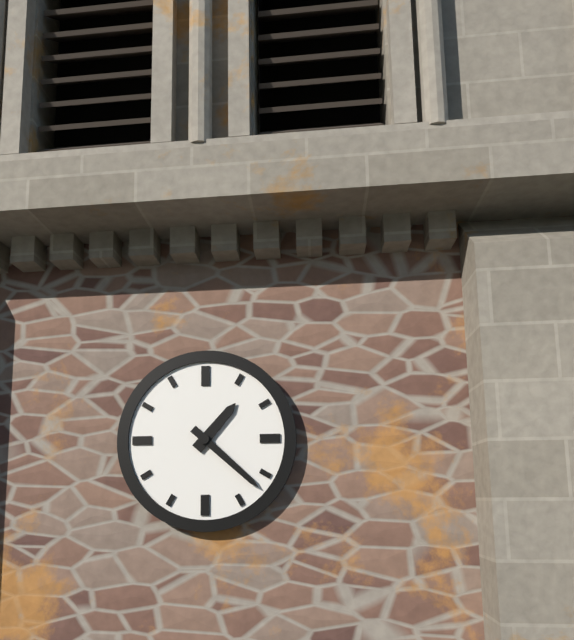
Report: h=1 m=22
